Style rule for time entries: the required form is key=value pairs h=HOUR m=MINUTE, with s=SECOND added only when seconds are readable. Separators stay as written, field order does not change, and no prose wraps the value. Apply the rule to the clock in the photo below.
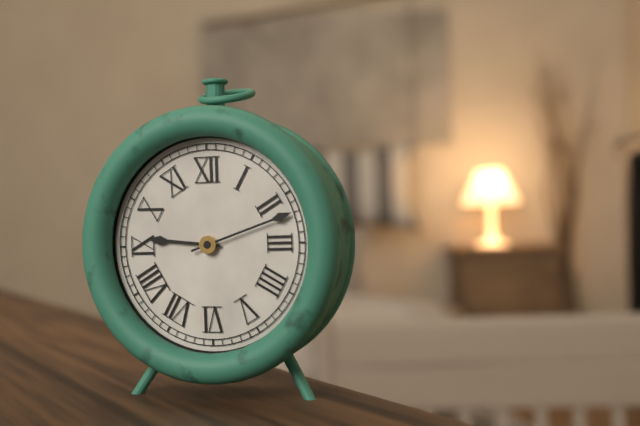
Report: h=9 m=12
